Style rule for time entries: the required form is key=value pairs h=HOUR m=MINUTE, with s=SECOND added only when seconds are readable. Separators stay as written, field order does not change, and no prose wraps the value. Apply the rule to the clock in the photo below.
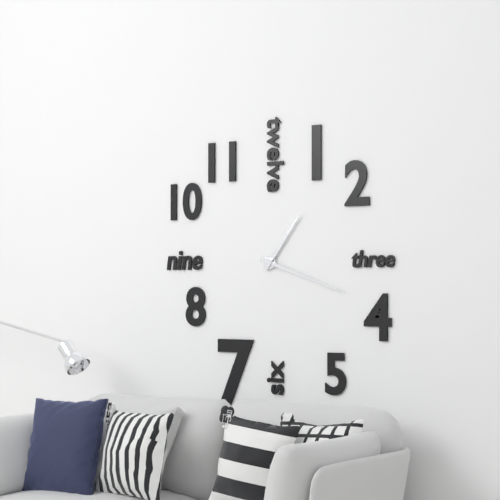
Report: h=1 m=18
